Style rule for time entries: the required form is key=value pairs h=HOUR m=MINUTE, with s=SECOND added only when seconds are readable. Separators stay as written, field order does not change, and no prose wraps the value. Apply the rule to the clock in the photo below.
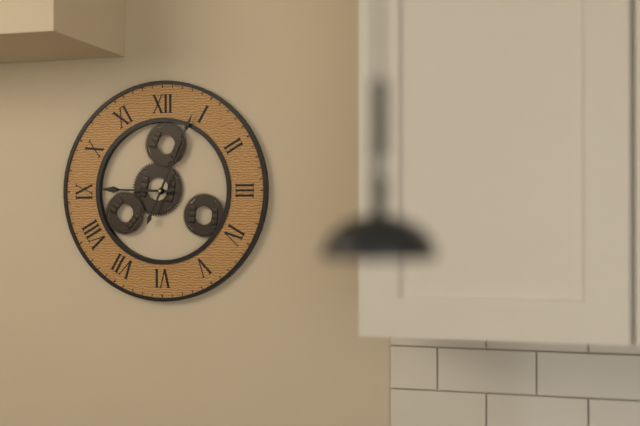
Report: h=9 m=4
